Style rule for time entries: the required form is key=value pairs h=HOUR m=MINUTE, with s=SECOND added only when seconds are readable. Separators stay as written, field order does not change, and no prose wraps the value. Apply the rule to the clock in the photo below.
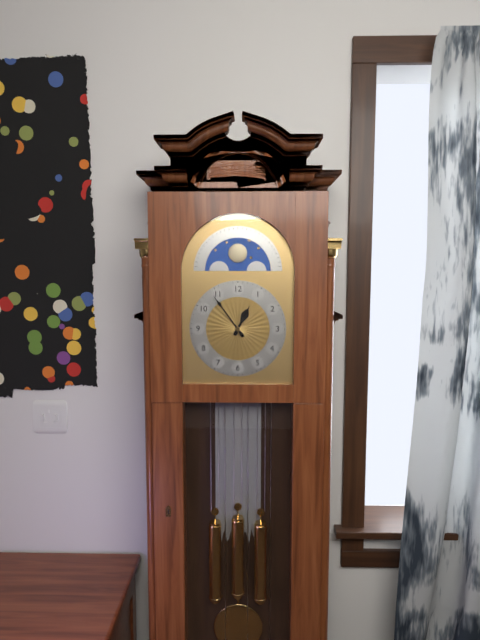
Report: h=12 m=54
